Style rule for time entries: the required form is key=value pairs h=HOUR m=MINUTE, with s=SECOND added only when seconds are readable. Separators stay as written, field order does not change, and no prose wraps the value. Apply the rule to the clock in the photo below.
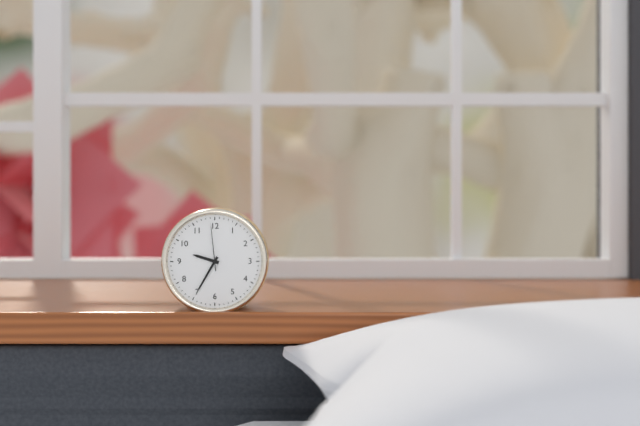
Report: h=9 m=35 s=59
